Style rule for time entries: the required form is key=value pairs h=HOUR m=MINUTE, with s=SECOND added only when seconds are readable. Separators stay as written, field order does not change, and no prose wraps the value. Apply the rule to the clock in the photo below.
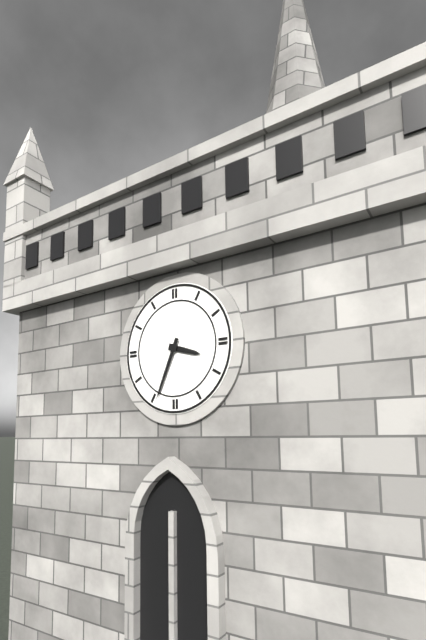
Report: h=3 m=34
